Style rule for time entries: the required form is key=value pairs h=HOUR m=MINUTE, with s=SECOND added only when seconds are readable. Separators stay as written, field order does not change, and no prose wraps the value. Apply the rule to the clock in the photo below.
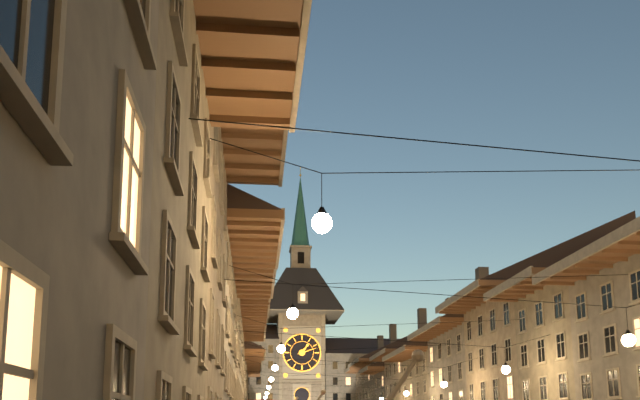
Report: h=1 m=12
